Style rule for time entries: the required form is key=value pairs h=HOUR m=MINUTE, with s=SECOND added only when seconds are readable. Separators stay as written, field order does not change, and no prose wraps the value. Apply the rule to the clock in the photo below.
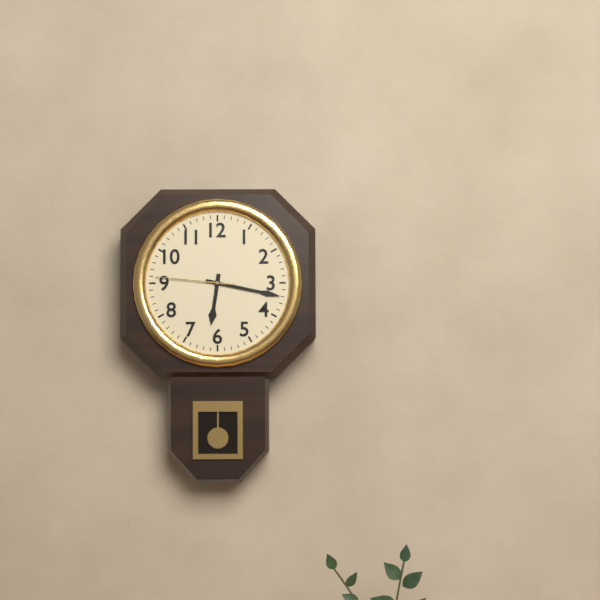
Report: h=6 m=17 s=46
